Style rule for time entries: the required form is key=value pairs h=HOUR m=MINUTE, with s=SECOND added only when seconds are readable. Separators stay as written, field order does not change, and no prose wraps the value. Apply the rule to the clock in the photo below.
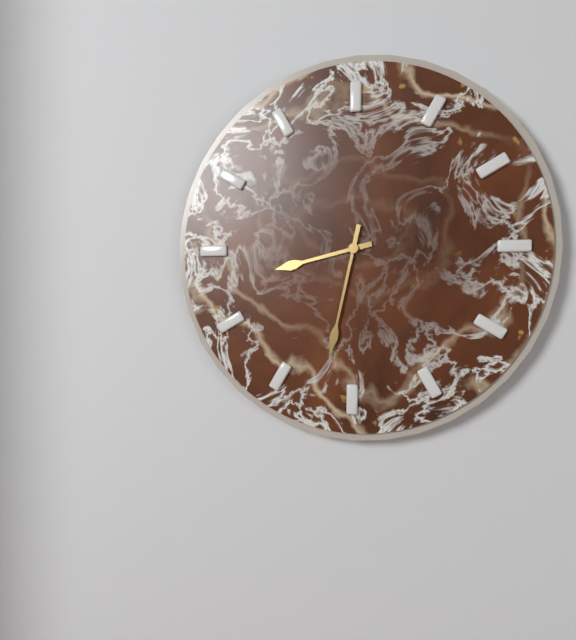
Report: h=8 m=32
